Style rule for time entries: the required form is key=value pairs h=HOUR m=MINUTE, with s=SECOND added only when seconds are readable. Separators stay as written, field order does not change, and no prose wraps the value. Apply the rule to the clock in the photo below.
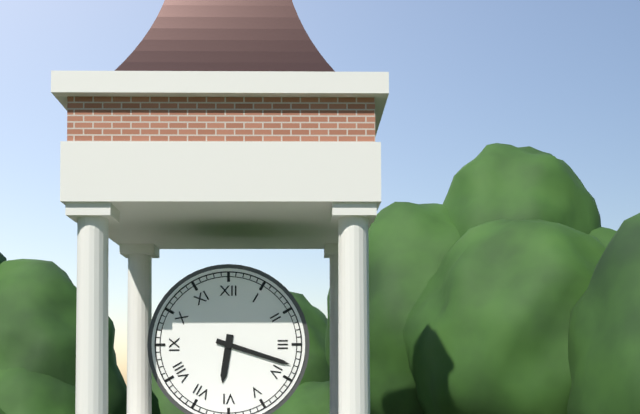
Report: h=6 m=18
